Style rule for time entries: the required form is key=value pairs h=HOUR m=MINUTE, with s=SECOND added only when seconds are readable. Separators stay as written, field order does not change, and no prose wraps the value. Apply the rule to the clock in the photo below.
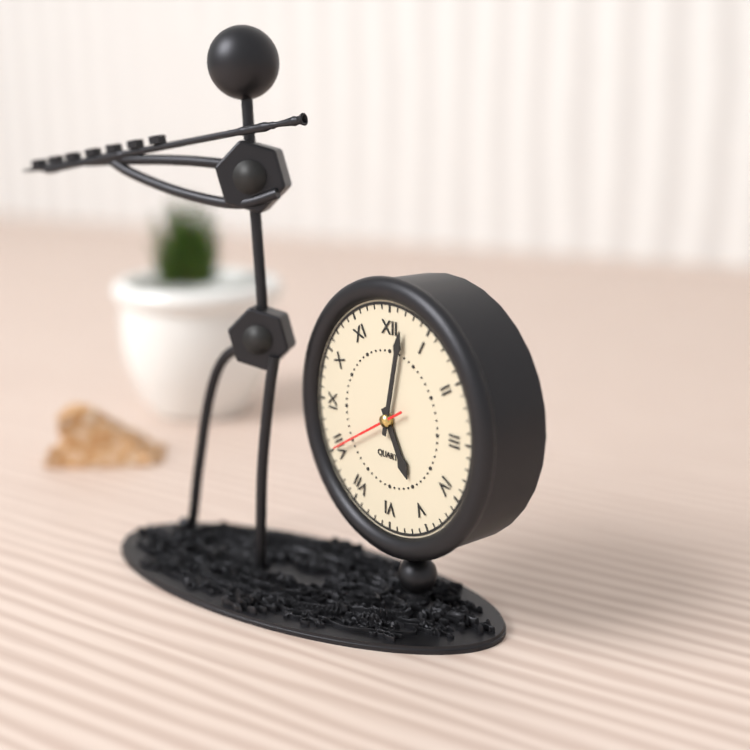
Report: h=5 m=2 s=40
